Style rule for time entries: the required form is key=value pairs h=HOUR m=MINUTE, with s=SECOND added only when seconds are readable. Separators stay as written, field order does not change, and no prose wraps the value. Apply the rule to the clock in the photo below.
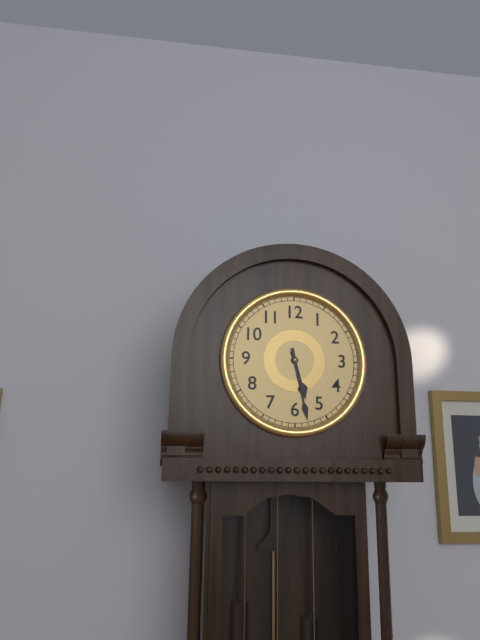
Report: h=5 m=28
